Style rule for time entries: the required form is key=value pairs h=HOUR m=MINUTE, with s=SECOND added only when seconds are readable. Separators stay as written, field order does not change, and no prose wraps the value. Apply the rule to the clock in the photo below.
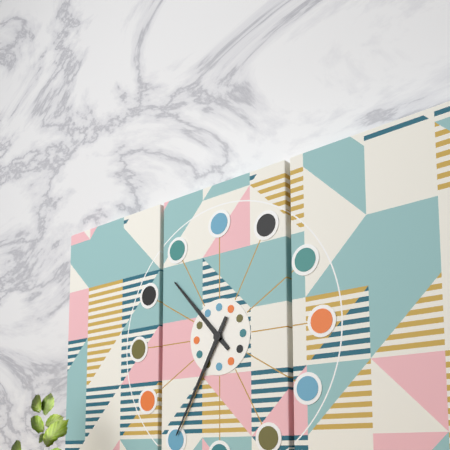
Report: h=10 m=35
